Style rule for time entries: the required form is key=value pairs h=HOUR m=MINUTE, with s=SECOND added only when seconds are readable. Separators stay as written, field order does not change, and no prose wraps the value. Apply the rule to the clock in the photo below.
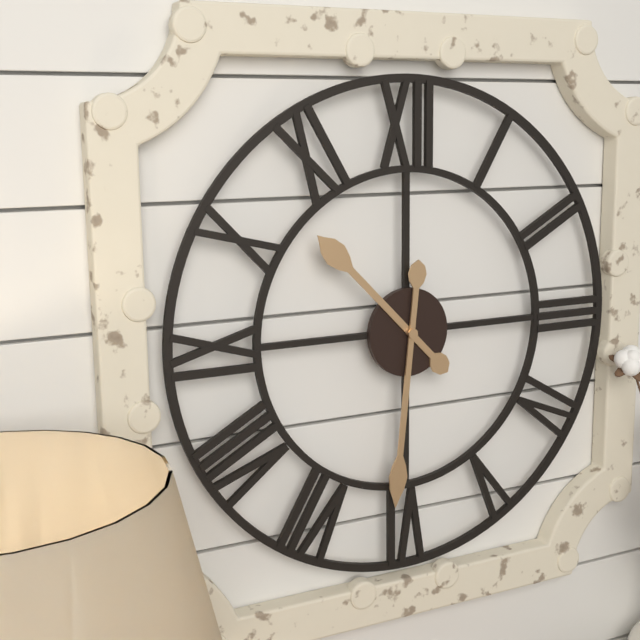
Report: h=10 m=31
